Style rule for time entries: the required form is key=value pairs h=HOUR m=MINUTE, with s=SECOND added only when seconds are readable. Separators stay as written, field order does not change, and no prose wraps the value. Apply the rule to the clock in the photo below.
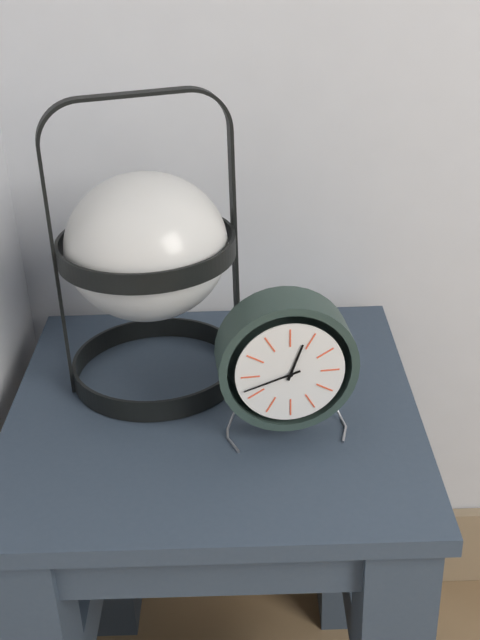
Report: h=12 m=42
